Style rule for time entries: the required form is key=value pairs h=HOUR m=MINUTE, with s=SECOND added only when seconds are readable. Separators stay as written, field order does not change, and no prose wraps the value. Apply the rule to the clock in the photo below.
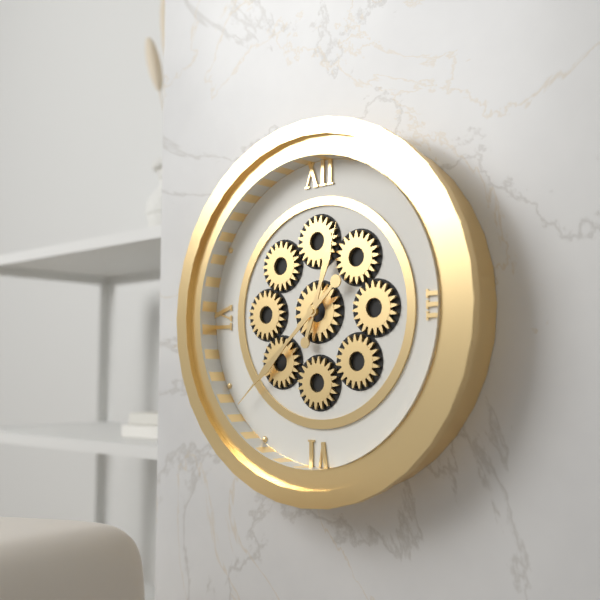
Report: h=12 m=38
